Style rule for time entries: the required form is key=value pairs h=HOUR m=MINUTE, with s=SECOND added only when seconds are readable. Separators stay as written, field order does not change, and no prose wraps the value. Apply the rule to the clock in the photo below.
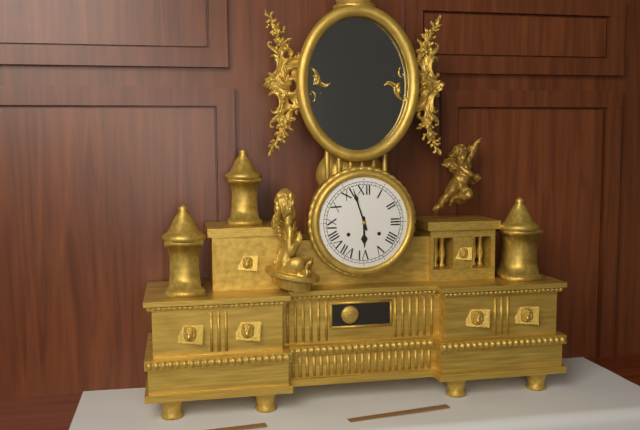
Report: h=5 m=57
